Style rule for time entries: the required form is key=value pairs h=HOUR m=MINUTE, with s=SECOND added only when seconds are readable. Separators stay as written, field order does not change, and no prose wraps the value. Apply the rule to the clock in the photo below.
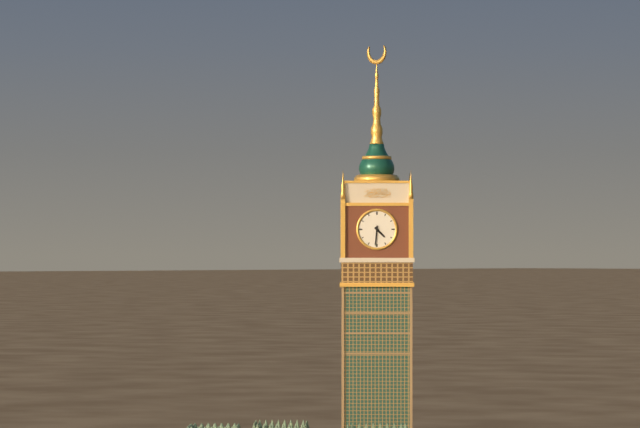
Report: h=4 m=31
